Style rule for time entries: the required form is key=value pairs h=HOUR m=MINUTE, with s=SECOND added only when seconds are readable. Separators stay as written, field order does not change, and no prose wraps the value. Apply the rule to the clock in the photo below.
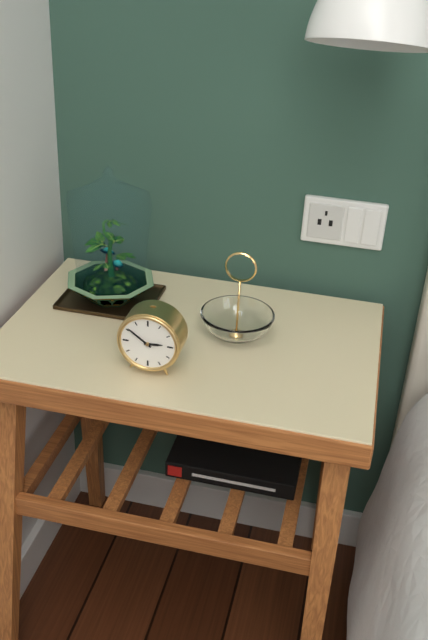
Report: h=2 m=51
